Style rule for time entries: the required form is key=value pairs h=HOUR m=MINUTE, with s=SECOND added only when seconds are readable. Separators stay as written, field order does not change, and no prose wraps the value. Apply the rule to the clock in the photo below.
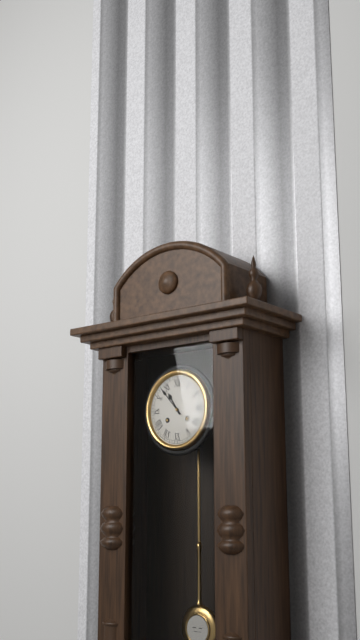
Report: h=10 m=53
